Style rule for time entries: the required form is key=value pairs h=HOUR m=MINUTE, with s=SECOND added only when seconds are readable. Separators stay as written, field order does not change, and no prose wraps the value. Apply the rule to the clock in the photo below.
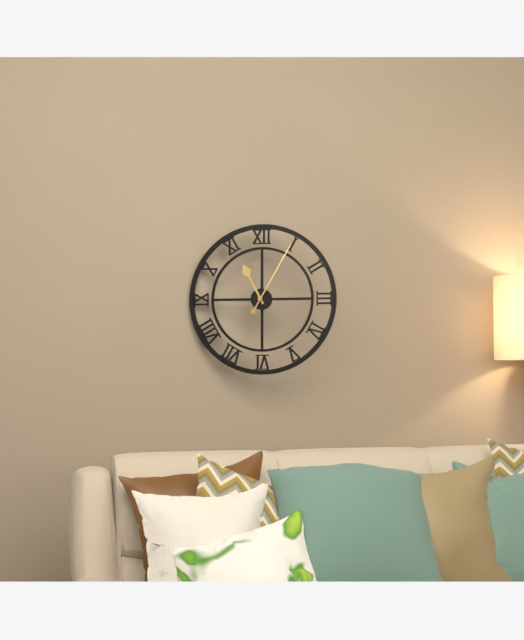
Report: h=11 m=5
